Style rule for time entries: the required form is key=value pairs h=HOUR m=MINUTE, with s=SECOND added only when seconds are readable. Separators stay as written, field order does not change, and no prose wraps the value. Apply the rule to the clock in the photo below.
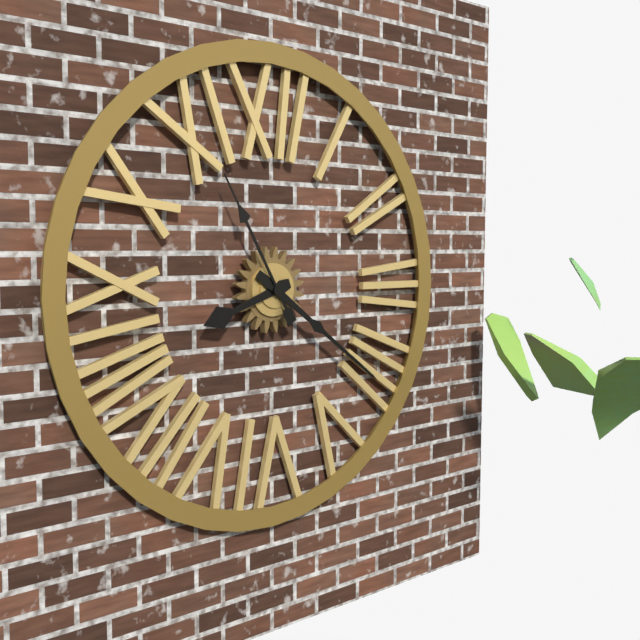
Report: h=8 m=21 s=55
